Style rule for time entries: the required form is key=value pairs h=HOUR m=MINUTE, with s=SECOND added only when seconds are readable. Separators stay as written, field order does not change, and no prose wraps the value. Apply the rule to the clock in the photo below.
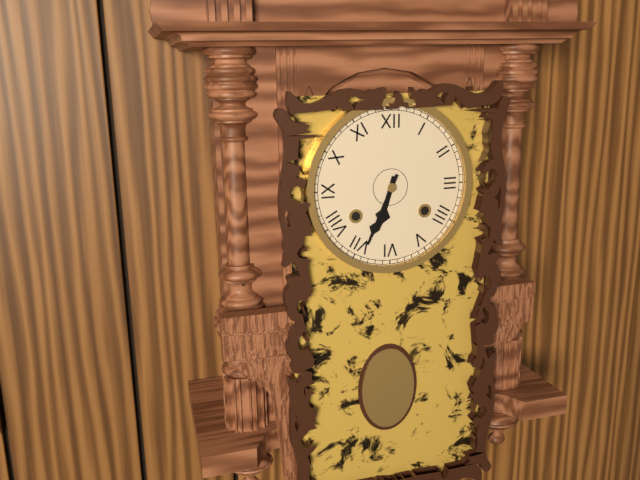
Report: h=6 m=34
